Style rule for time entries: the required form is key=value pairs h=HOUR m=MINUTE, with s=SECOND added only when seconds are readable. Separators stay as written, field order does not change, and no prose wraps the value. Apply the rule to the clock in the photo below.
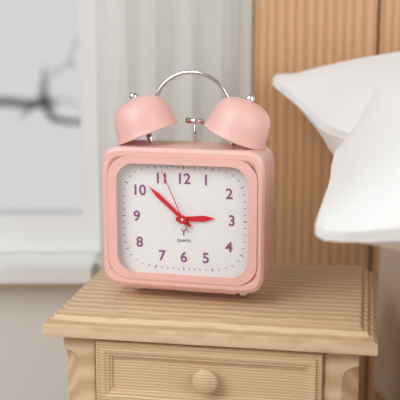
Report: h=2 m=52 s=56
